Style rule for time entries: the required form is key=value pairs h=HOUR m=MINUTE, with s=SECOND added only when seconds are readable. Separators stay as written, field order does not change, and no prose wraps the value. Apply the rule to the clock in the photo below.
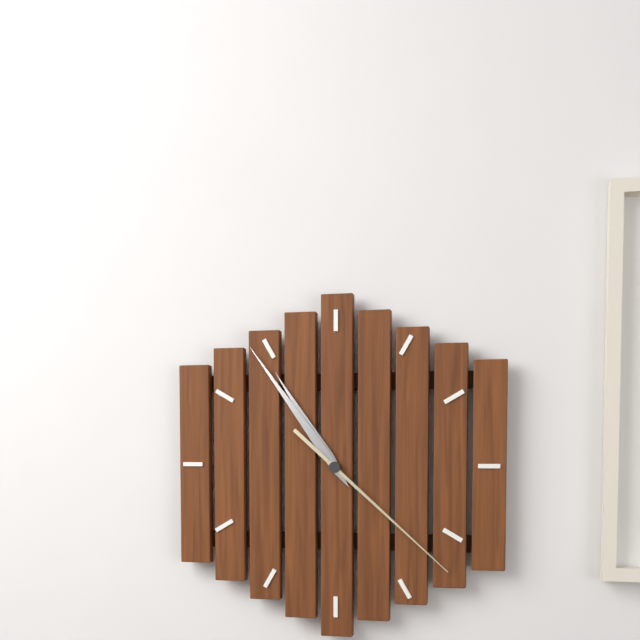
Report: h=10 m=54 s=22
